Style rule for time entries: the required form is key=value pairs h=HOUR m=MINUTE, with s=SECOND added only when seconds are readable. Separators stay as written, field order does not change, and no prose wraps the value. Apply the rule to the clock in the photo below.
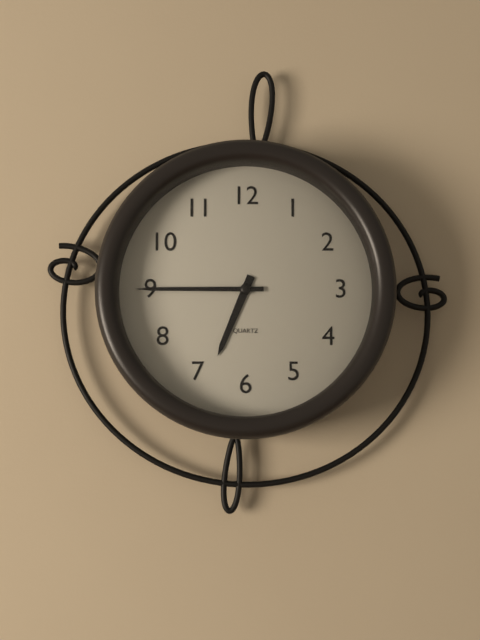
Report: h=6 m=45
